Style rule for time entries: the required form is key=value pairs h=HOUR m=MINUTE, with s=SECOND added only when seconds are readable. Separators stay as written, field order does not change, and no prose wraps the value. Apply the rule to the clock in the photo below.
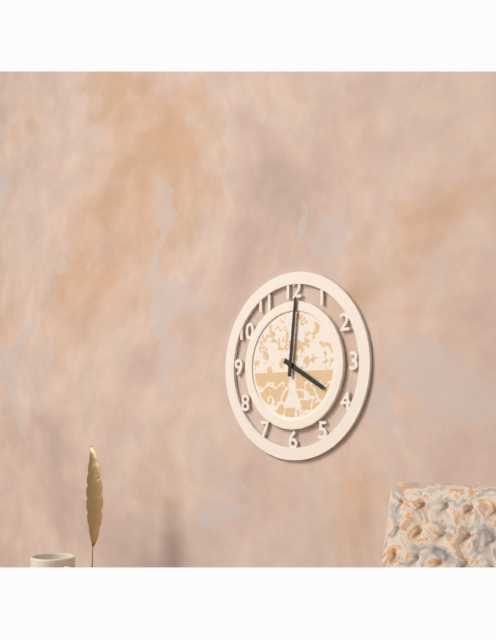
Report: h=4 m=1
